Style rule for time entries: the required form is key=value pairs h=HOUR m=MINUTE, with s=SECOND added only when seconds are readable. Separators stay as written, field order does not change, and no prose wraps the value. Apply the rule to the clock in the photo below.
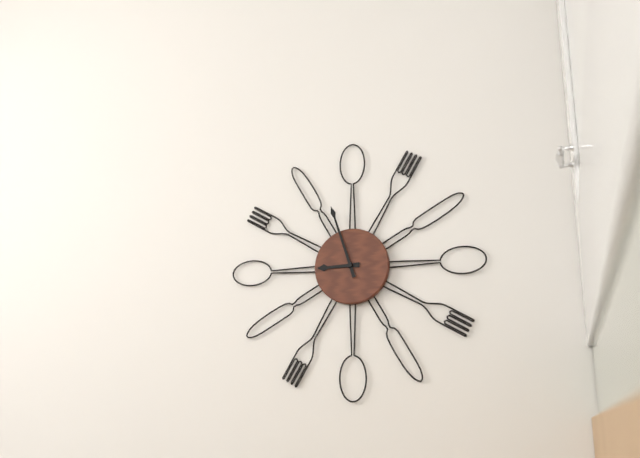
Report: h=8 m=57
